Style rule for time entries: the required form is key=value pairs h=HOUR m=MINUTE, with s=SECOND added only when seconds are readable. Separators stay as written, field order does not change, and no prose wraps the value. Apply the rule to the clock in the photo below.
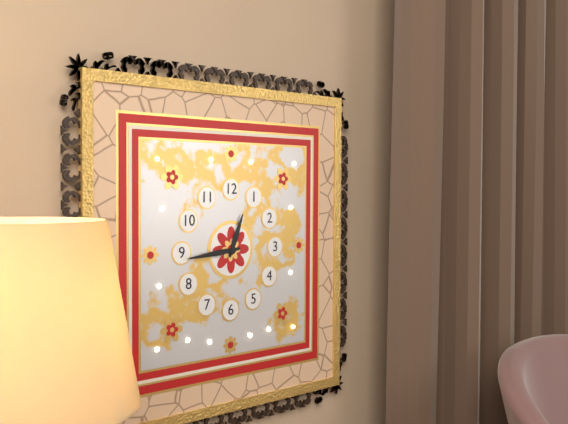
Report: h=12 m=44
